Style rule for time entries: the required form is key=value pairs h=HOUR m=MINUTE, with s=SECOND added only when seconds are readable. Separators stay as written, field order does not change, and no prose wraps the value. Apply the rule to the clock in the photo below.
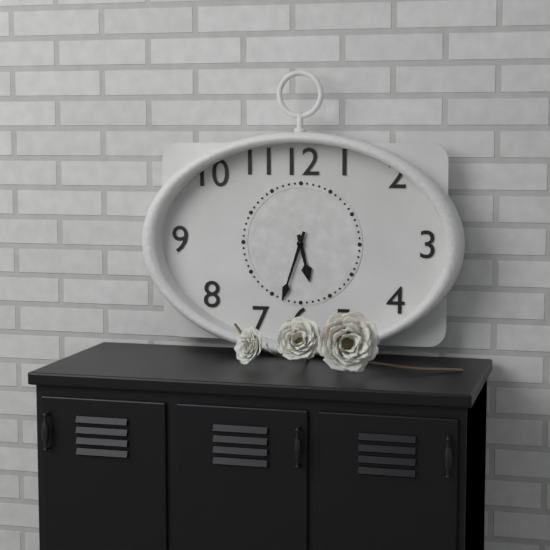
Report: h=5 m=33
